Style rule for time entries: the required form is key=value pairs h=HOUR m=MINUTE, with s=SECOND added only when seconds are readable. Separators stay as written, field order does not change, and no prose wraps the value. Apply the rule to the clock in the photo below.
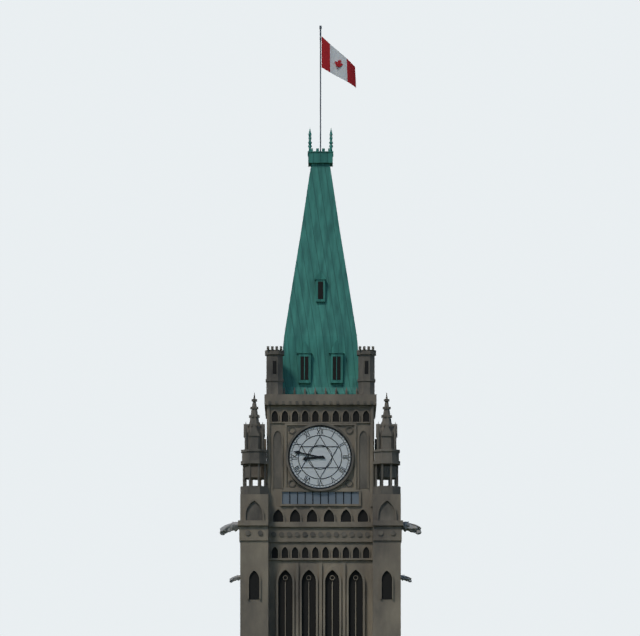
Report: h=8 m=47
